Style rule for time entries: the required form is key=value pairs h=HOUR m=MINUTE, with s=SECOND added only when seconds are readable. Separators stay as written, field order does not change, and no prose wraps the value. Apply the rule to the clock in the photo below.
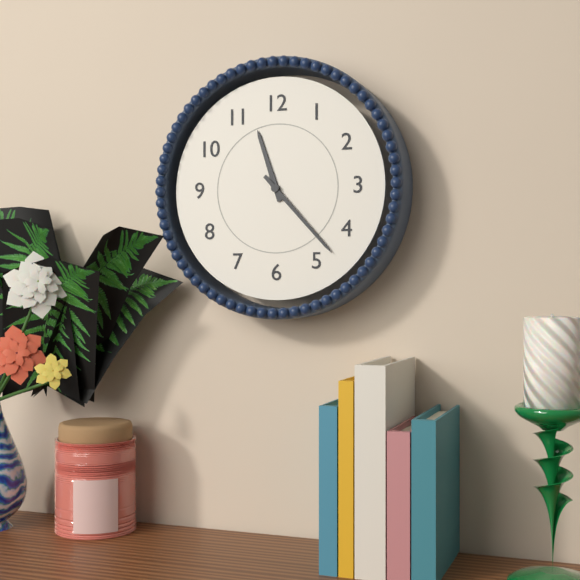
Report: h=11 m=23
